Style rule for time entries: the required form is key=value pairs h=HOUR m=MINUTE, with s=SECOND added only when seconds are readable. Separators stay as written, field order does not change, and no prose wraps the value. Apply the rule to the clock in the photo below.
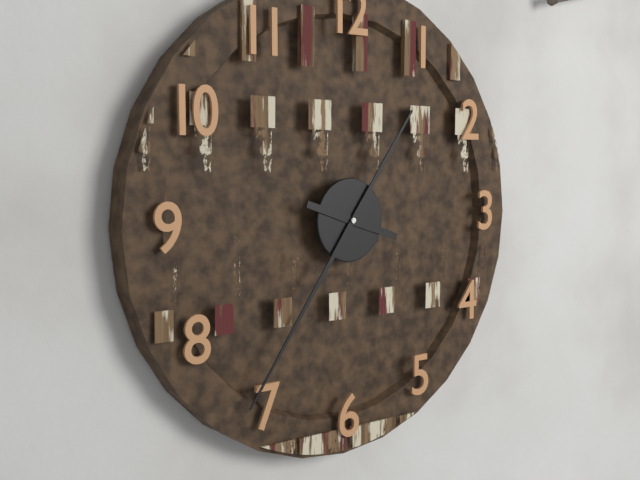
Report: h=3 m=36
